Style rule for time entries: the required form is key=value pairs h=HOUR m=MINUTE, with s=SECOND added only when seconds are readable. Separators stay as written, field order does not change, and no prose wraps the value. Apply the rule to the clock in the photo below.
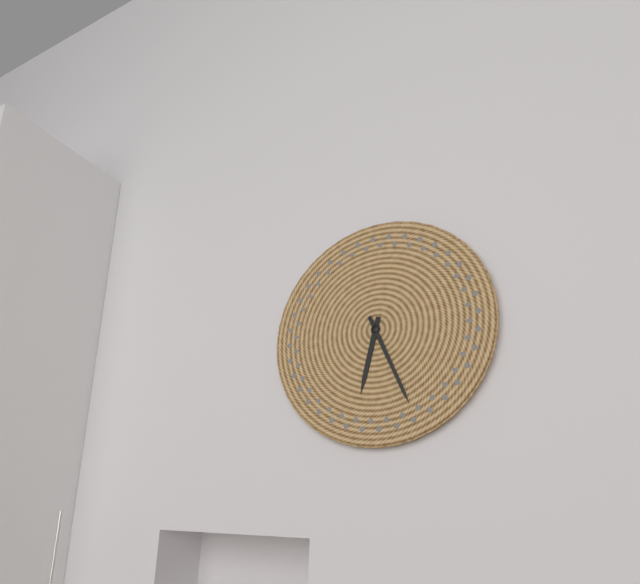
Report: h=6 m=26
